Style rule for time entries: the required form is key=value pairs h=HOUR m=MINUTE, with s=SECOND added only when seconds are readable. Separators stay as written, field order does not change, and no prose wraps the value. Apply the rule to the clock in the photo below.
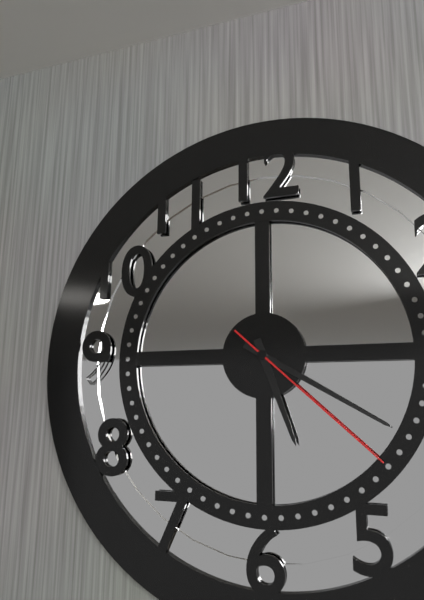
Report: h=5 m=20 s=22
